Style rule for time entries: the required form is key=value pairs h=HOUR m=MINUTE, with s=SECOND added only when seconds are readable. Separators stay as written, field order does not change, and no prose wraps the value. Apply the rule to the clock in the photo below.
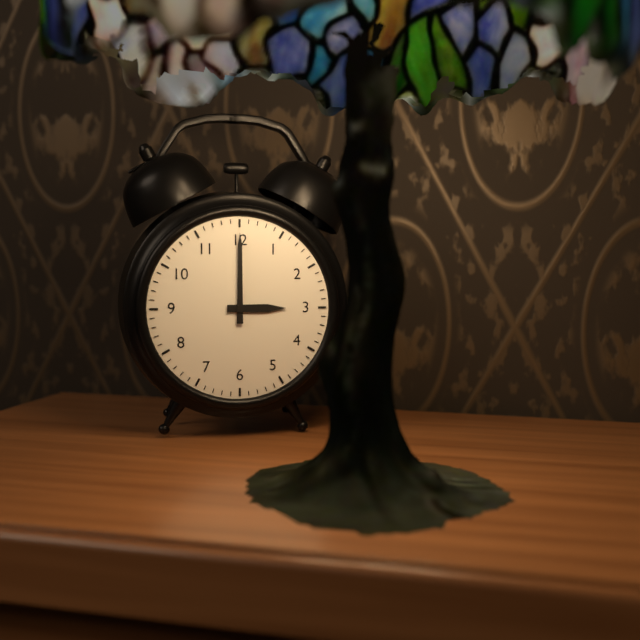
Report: h=3 m=0
